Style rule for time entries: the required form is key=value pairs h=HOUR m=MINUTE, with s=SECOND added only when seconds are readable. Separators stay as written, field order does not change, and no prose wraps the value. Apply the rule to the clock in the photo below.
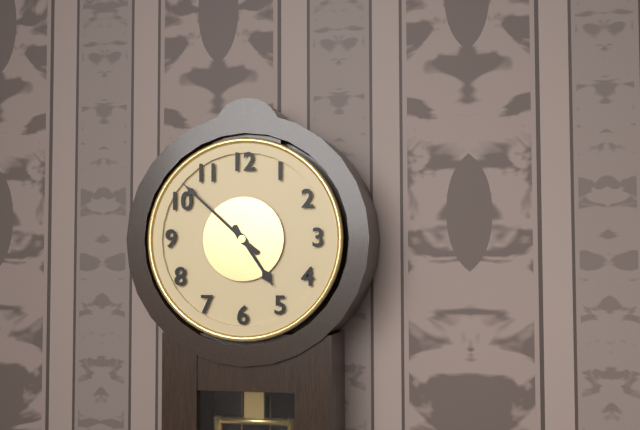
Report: h=4 m=52
